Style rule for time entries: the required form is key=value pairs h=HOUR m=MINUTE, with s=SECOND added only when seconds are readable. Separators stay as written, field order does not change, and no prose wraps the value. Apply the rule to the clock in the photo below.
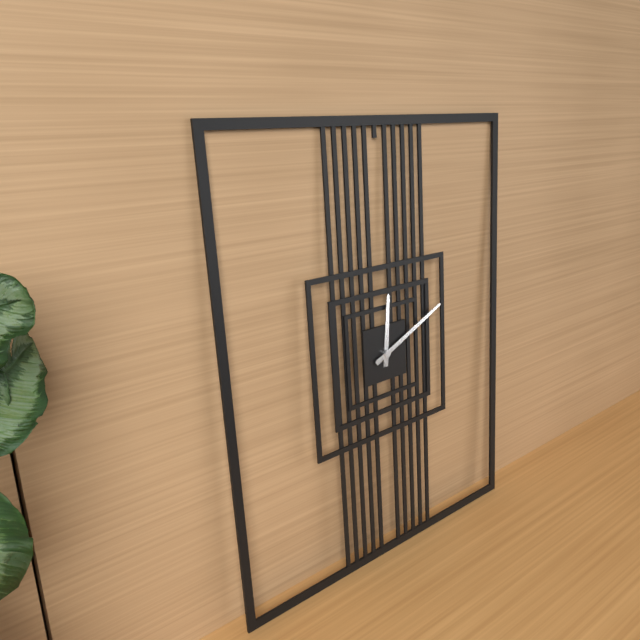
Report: h=12 m=11
